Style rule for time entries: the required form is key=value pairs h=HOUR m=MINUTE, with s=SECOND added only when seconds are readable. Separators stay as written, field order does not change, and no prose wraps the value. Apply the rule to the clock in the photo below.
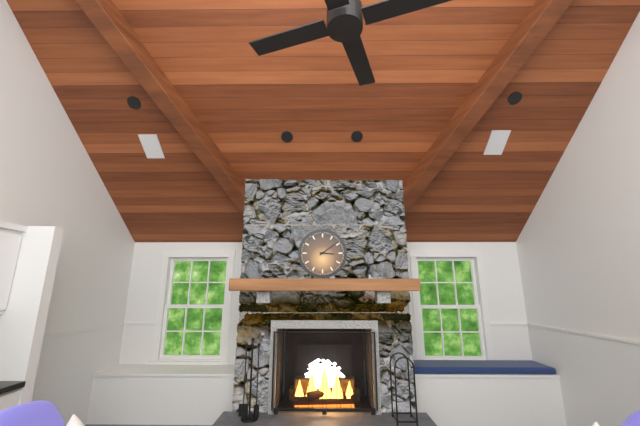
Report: h=3 m=9
